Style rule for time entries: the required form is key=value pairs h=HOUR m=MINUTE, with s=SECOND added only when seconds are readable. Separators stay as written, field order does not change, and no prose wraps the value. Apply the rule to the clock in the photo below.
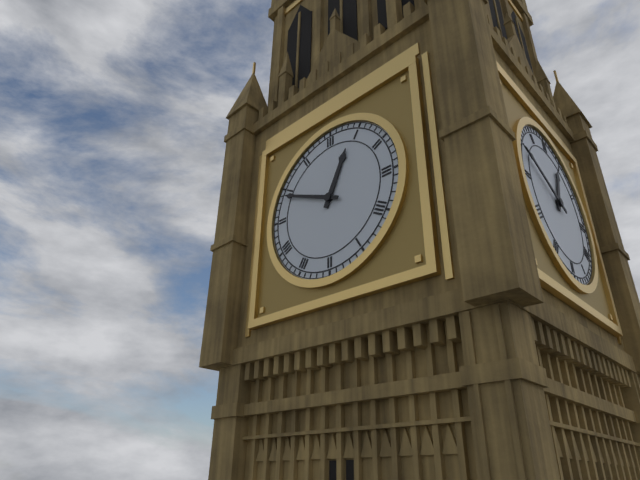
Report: h=12 m=49
